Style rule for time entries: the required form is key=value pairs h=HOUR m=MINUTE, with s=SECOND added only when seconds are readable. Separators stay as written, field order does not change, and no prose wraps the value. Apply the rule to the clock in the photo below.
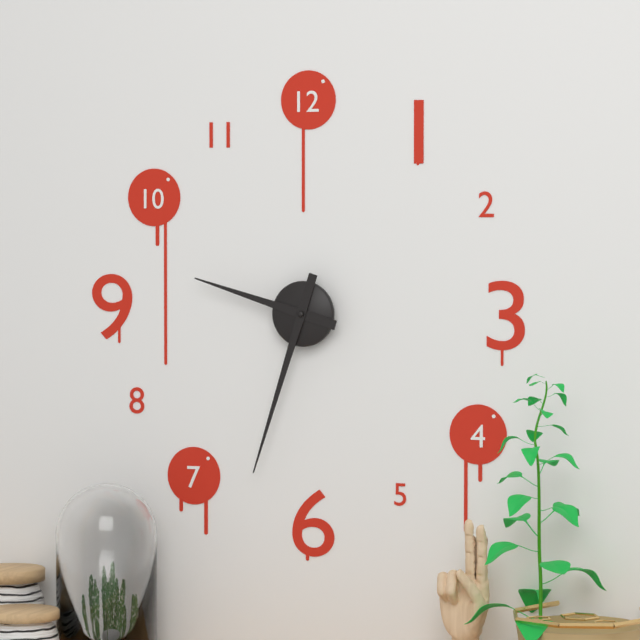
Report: h=9 m=33
